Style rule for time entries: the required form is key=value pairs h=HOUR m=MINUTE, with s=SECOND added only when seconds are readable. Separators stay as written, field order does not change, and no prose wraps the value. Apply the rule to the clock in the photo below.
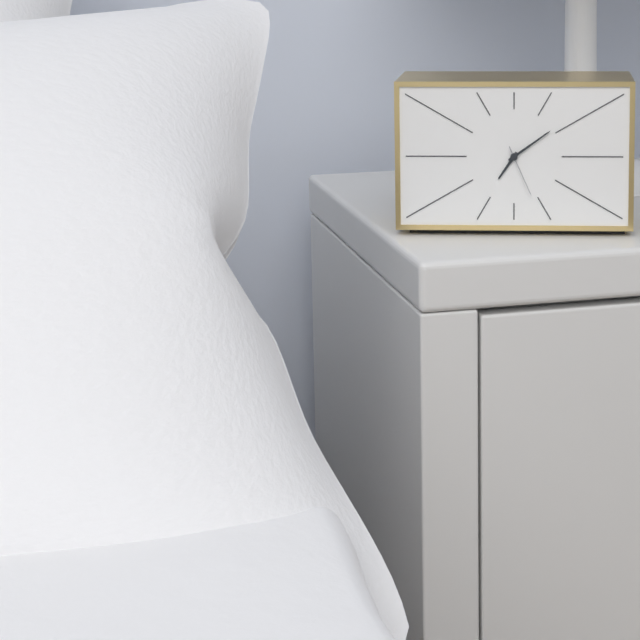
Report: h=7 m=9 s=26
